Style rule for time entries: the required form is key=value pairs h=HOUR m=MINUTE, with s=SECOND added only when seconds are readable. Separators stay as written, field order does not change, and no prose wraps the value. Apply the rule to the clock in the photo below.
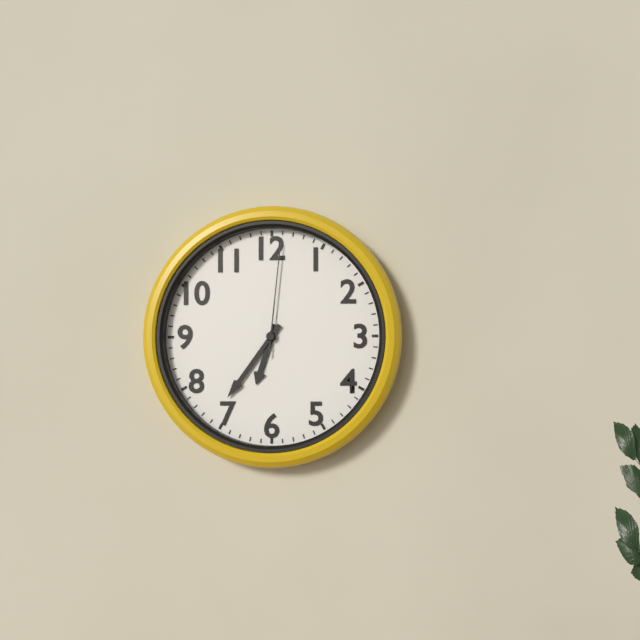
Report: h=6 m=36 s=1
